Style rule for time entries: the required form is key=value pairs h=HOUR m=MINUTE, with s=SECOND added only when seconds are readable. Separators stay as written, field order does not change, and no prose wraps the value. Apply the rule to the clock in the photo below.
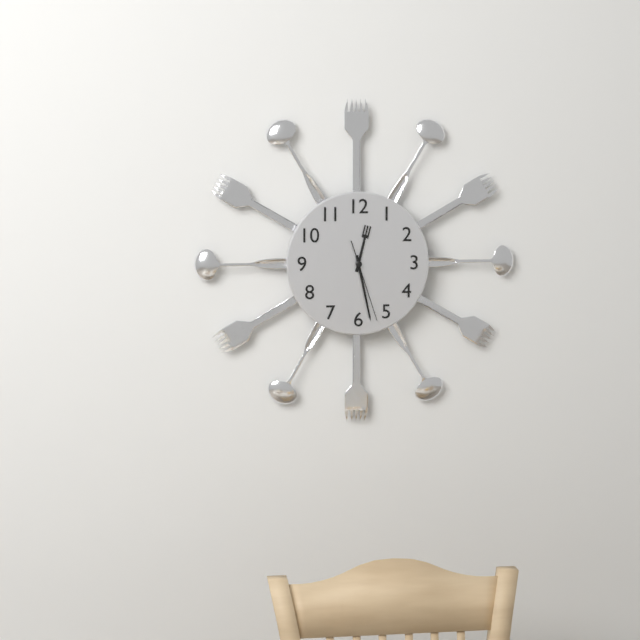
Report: h=12 m=28 s=27
